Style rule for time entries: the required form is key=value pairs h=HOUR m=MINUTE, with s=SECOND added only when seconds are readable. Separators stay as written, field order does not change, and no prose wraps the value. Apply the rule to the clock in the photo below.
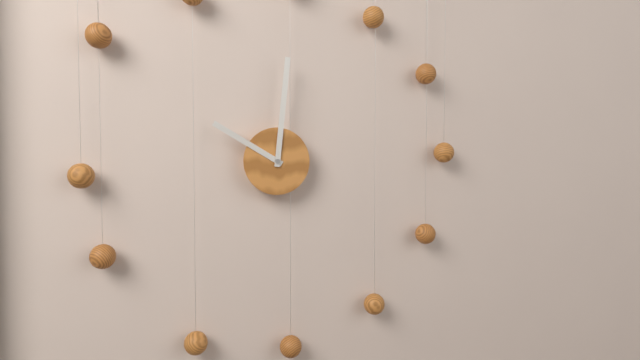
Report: h=10 m=1
